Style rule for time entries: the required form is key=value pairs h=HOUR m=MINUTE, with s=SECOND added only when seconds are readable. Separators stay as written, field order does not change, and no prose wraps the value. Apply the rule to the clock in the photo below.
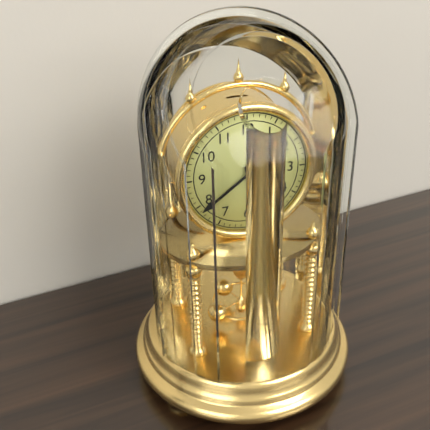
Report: h=5 m=39
